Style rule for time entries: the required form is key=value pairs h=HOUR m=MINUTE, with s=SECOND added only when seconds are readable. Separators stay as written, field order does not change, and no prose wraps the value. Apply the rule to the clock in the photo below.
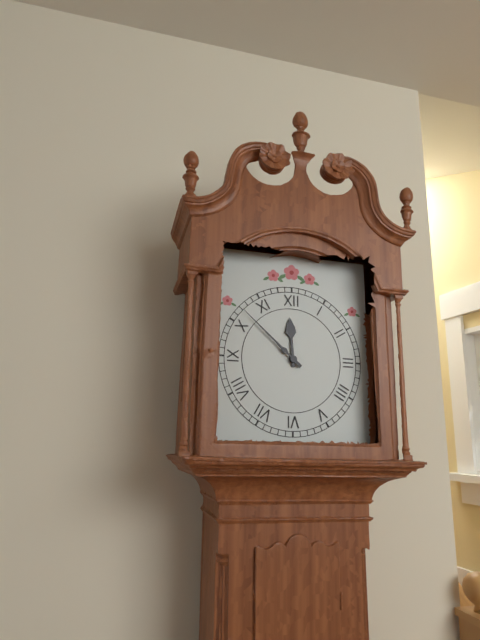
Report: h=11 m=52
